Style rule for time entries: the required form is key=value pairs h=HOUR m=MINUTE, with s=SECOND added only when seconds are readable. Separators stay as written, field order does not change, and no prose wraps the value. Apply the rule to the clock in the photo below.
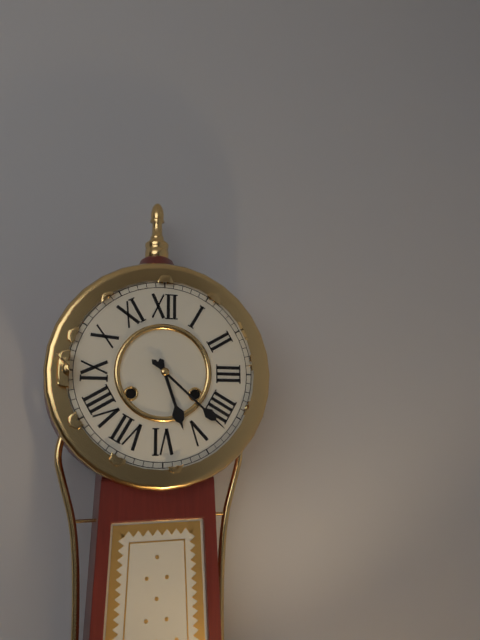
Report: h=5 m=22
